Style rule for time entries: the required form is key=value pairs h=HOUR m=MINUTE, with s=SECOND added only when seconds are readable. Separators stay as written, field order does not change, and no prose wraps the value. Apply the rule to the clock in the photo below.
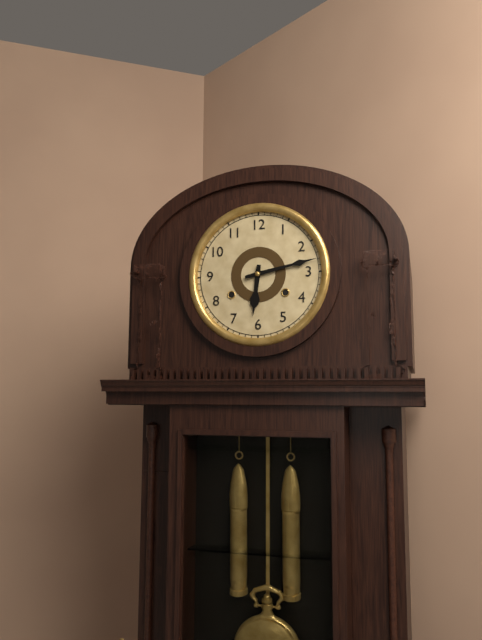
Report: h=6 m=13
